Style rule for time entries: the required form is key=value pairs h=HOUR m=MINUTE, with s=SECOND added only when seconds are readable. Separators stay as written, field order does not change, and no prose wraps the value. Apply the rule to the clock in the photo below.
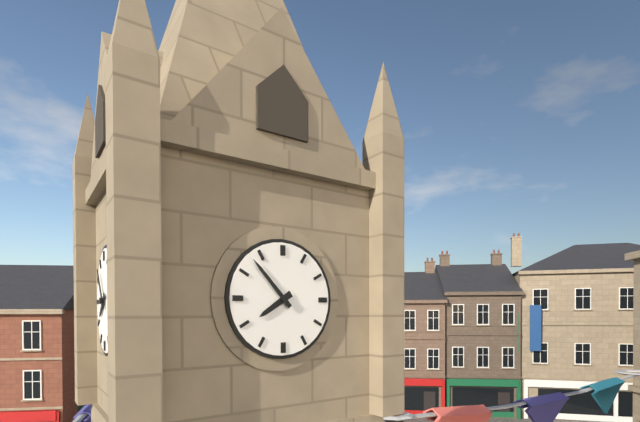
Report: h=7 m=53
